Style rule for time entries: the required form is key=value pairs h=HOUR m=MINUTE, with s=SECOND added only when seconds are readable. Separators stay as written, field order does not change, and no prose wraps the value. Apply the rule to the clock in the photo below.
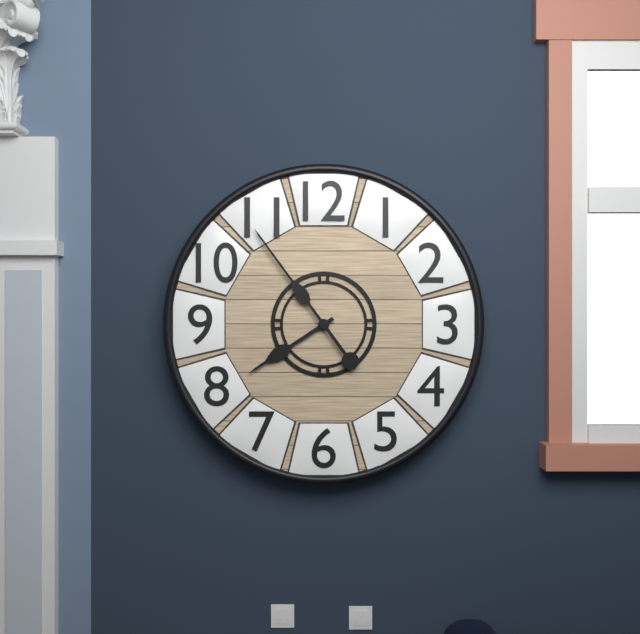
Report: h=7 m=54
